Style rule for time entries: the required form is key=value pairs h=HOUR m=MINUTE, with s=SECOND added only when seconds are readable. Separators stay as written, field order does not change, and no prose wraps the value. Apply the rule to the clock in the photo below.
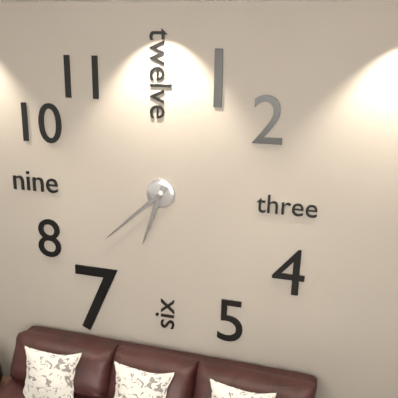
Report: h=6 m=38
